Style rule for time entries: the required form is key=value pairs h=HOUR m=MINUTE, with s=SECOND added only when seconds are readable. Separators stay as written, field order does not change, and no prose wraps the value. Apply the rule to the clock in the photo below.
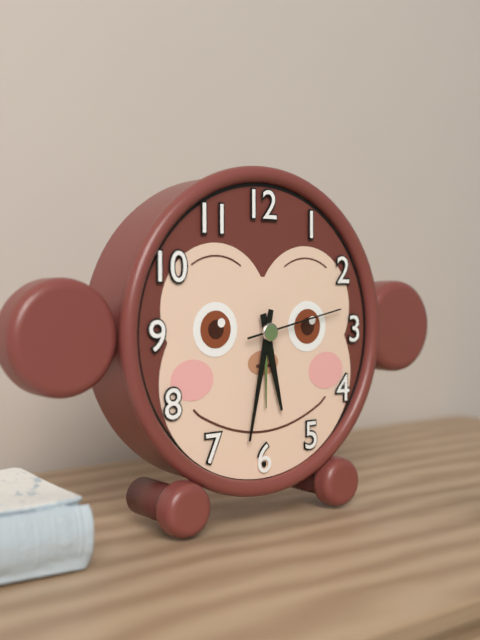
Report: h=5 m=32 s=13
